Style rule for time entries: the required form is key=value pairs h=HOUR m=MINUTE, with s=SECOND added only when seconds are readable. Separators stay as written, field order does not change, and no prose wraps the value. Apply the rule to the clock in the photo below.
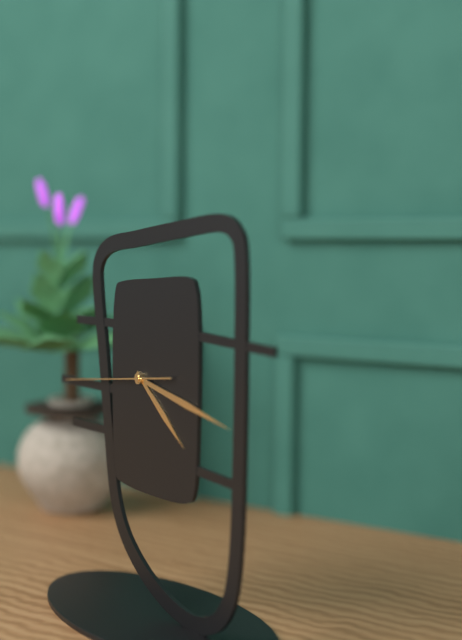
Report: h=4 m=17 s=44
